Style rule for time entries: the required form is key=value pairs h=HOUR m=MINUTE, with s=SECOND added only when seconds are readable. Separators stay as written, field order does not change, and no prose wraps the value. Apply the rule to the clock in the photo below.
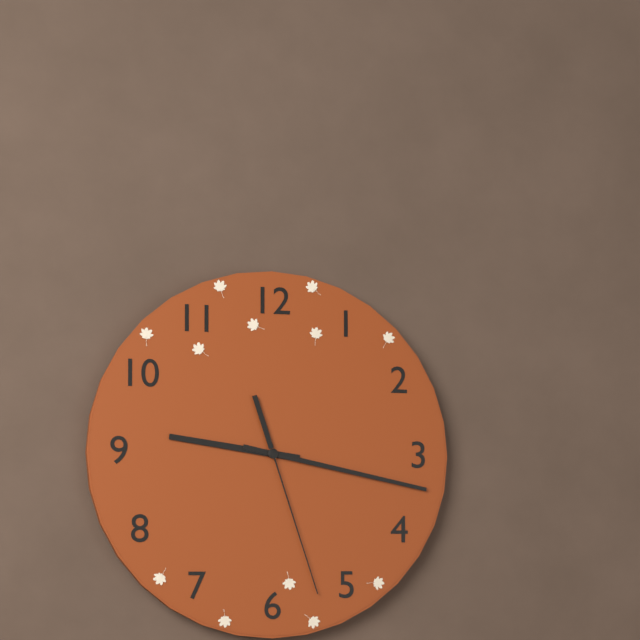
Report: h=9 m=17 s=27
